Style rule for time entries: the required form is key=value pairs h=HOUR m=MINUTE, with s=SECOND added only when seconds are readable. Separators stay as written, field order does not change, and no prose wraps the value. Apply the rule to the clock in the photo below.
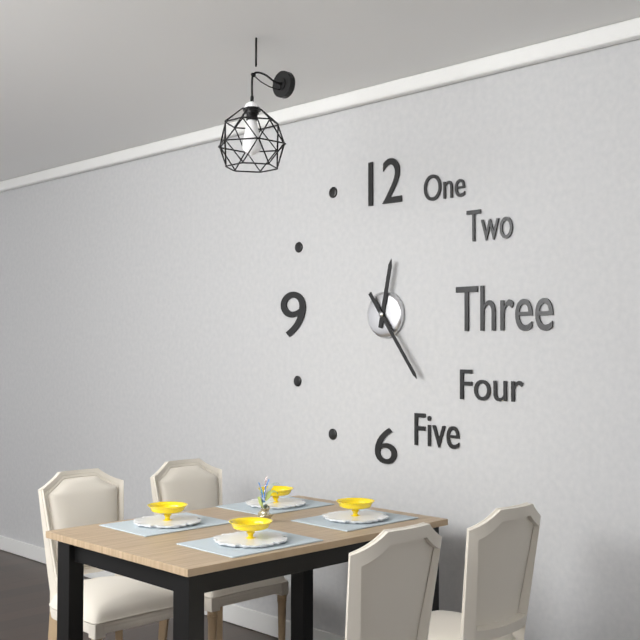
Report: h=12 m=24
